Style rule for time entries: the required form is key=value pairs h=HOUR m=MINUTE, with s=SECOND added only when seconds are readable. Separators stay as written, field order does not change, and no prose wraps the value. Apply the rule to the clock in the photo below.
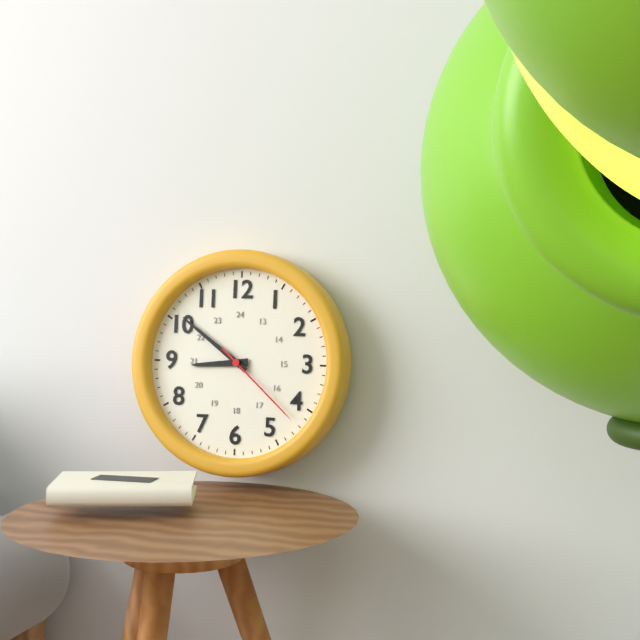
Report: h=8 m=51 s=22
